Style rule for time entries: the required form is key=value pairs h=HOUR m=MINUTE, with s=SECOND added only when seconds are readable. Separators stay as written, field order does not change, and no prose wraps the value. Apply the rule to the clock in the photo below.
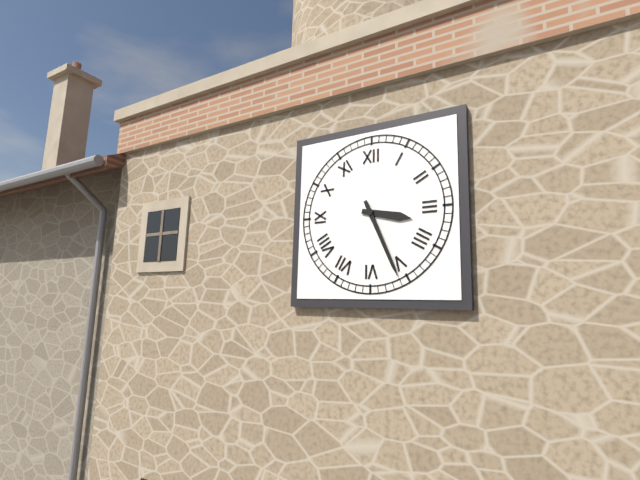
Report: h=3 m=26
